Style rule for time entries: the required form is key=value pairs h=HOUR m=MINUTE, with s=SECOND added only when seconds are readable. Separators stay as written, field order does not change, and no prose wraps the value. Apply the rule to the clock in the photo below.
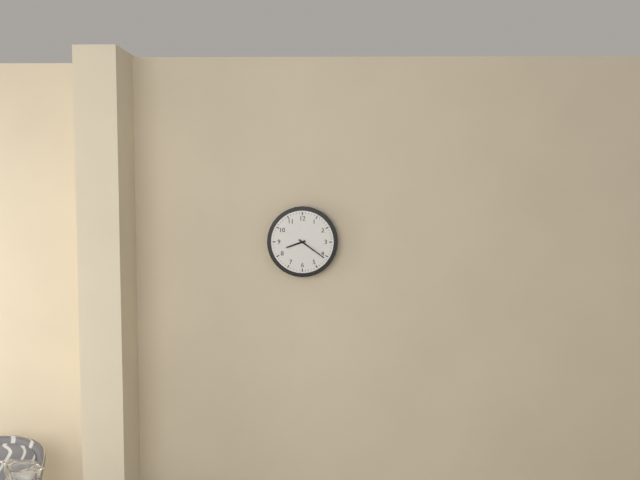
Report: h=8 m=21
